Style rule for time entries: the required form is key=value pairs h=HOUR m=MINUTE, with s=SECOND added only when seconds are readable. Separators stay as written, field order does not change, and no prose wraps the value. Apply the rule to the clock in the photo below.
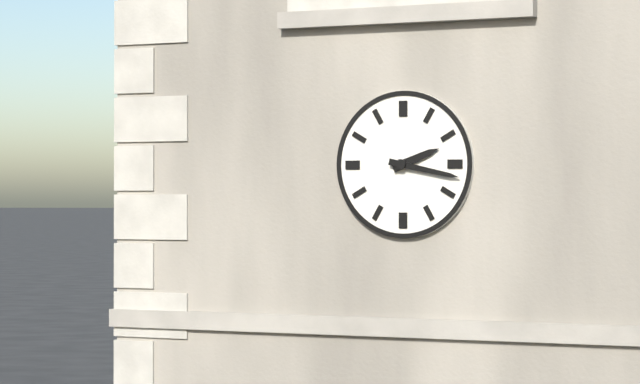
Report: h=2 m=17
